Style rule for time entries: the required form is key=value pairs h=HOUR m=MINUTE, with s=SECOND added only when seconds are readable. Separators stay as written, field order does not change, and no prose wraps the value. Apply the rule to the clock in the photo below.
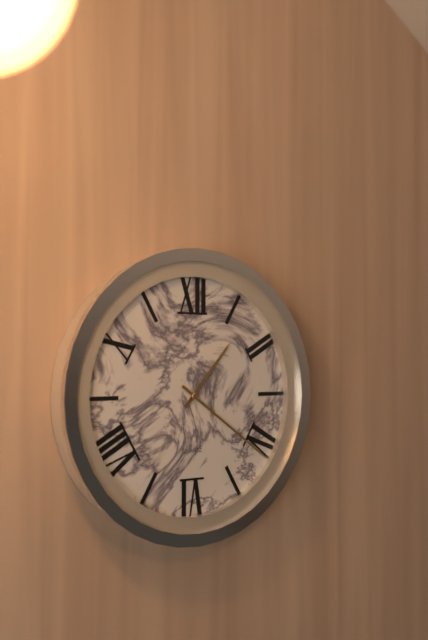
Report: h=1 m=21
